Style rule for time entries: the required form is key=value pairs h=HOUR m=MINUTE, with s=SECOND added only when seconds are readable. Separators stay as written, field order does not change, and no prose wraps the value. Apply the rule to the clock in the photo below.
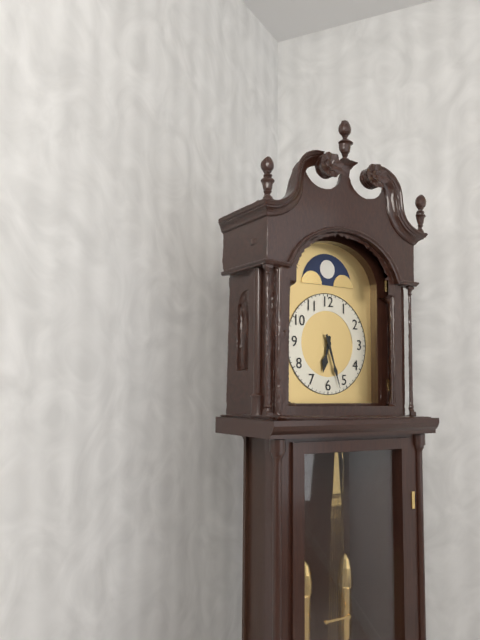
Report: h=6 m=27
